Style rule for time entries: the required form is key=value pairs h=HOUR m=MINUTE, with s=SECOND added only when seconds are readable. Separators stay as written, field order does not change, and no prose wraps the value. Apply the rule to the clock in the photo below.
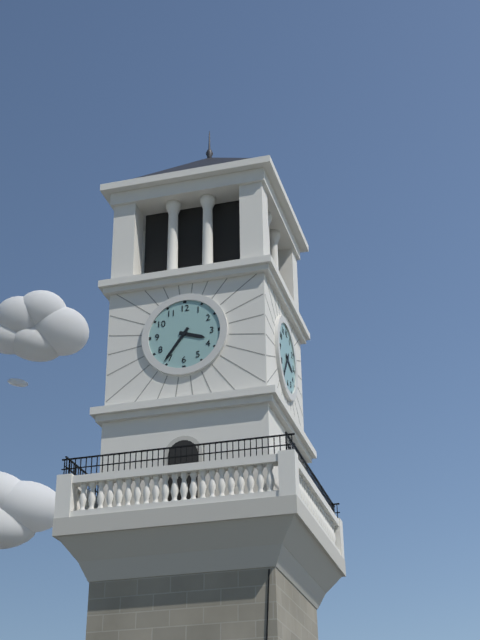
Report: h=3 m=36
